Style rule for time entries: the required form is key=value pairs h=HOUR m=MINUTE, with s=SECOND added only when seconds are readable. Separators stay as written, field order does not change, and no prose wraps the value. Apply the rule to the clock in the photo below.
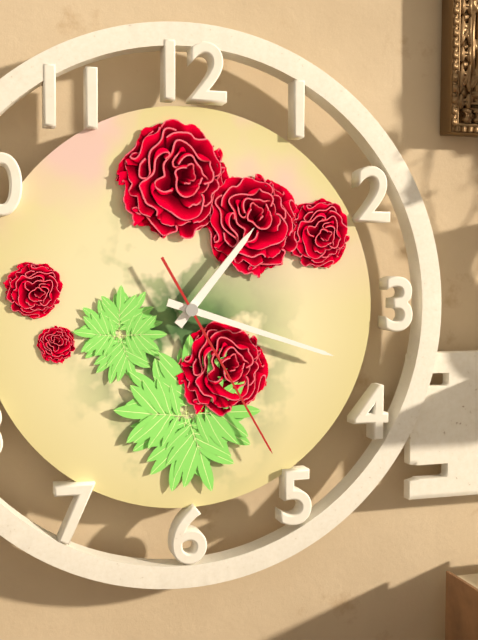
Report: h=1 m=18 s=25
